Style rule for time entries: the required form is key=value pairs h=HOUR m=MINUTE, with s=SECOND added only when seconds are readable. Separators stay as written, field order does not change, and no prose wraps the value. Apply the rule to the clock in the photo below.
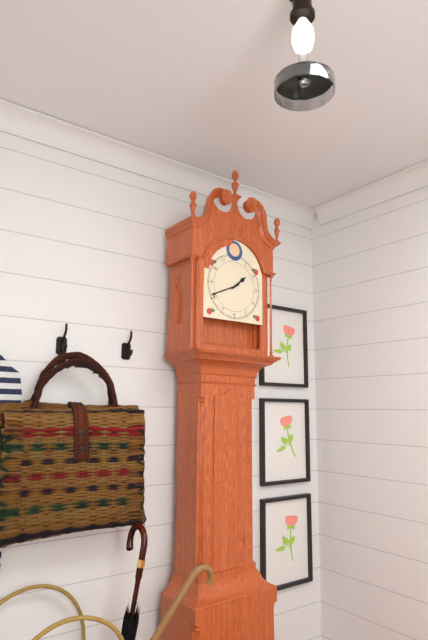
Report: h=1 m=41
